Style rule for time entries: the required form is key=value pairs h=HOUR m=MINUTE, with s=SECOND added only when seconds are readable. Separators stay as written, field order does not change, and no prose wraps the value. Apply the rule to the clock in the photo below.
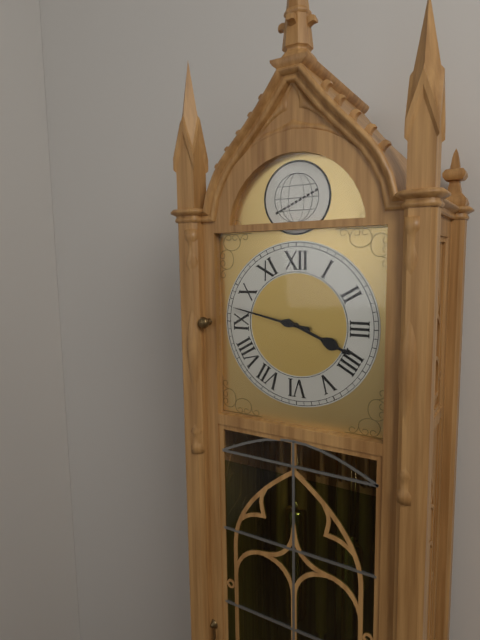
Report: h=3 m=47
